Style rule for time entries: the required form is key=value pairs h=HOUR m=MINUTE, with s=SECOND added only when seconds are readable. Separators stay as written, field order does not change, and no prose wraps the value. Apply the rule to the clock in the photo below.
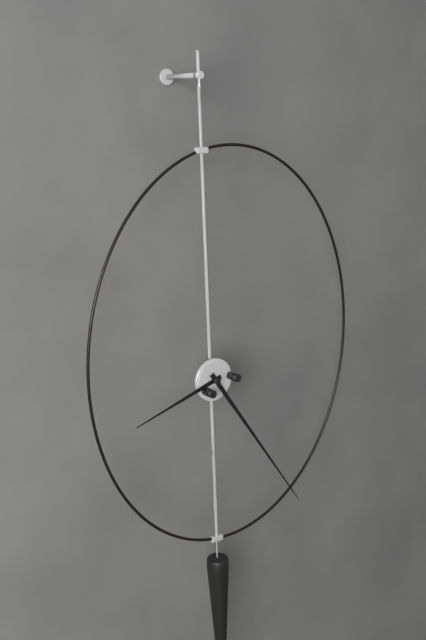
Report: h=8 m=24
